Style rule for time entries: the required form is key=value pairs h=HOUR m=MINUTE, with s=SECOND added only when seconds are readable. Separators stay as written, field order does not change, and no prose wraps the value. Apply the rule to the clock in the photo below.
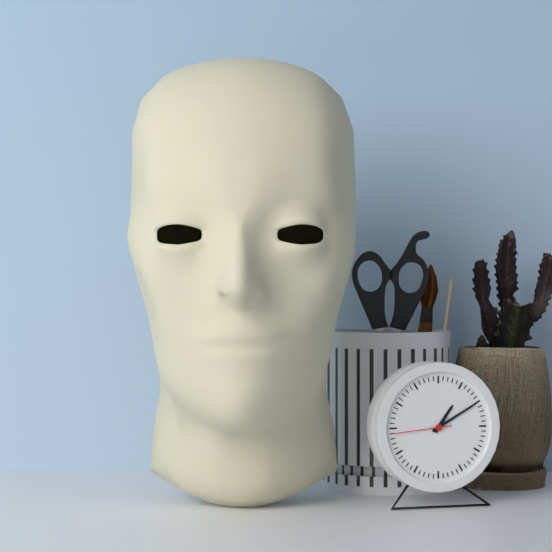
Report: h=1 m=10 s=44
